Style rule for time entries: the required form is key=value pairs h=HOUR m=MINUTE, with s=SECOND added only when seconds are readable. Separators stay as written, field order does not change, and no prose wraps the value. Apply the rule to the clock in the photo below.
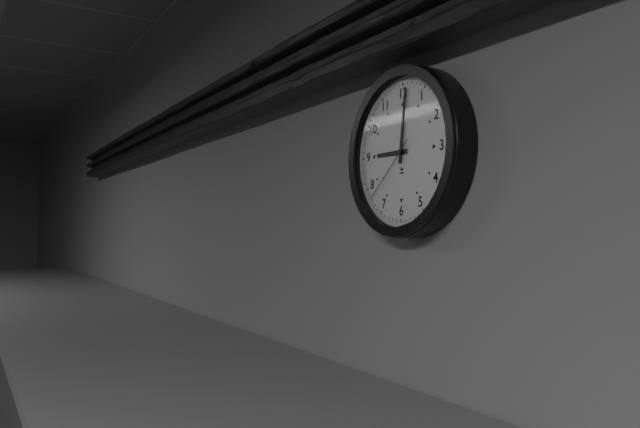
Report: h=9 m=1 s=38
